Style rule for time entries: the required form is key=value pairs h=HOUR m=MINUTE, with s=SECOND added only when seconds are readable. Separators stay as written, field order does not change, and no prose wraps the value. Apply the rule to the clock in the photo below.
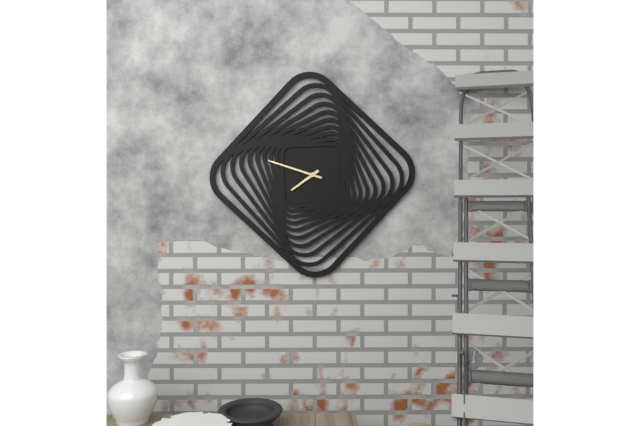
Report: h=7 m=48
